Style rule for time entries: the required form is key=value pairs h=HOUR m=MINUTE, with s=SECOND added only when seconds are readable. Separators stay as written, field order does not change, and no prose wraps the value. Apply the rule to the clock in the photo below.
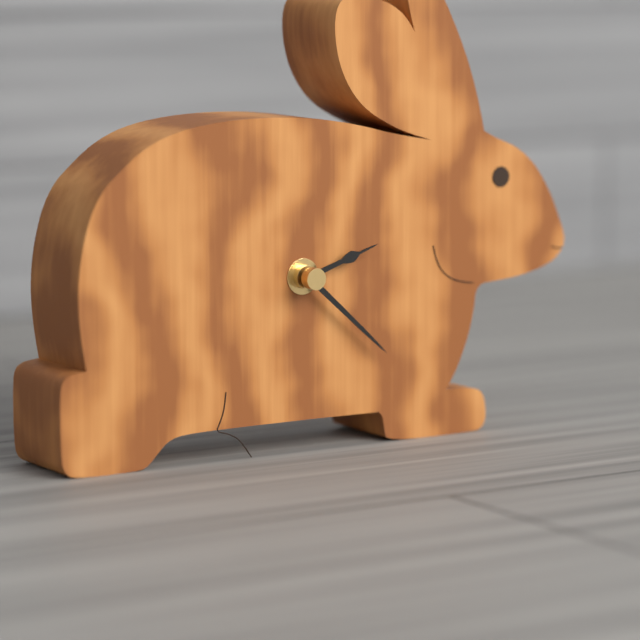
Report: h=2 m=22
